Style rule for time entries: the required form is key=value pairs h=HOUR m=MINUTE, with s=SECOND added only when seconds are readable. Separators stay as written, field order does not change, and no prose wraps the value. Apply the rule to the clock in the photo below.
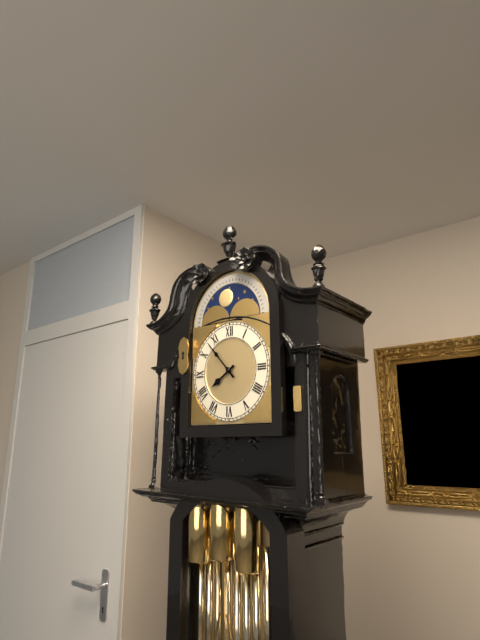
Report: h=7 m=53
